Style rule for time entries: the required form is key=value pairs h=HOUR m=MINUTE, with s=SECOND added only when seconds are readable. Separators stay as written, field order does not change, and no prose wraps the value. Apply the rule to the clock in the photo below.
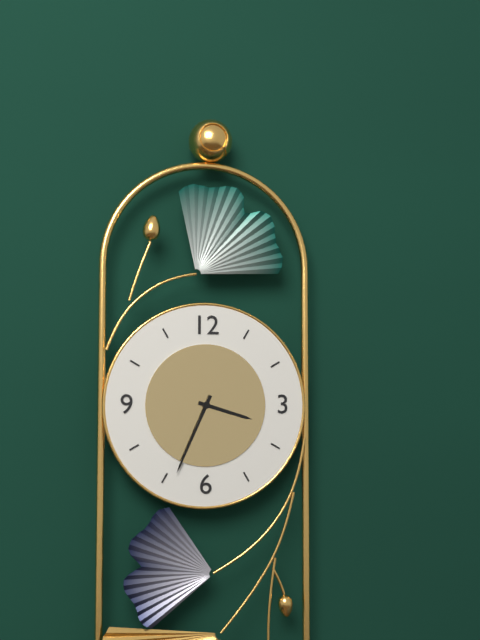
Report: h=3 m=34
